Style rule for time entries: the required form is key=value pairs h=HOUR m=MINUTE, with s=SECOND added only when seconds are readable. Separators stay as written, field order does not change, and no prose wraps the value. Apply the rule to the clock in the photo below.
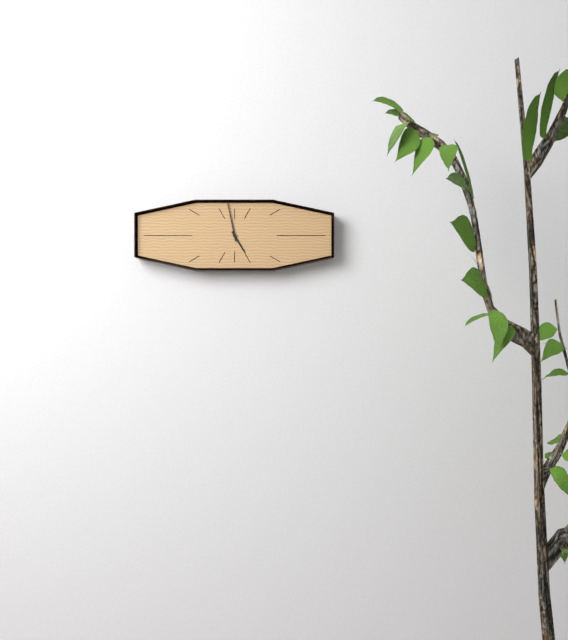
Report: h=4 m=58
